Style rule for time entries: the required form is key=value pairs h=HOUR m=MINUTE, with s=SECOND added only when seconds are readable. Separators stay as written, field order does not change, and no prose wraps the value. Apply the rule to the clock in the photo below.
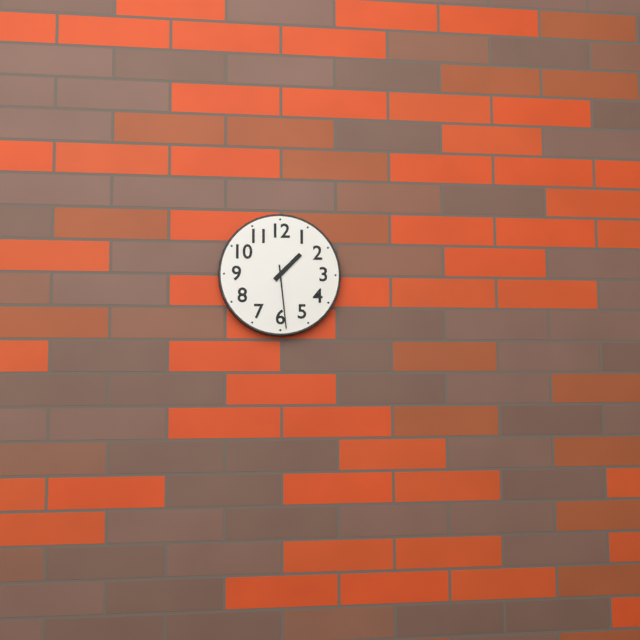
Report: h=1 m=29
